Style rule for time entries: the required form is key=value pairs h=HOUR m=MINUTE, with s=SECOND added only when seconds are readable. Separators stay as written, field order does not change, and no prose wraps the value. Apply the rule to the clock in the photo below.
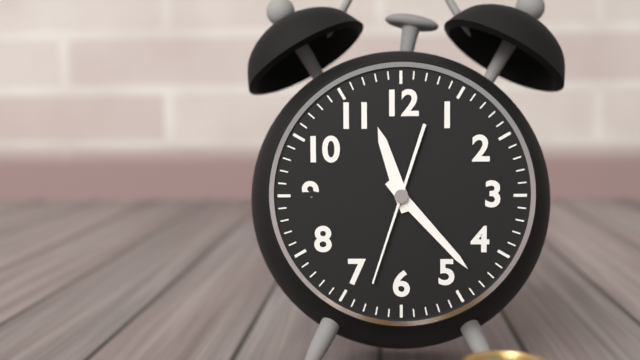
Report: h=11 m=23 s=33
